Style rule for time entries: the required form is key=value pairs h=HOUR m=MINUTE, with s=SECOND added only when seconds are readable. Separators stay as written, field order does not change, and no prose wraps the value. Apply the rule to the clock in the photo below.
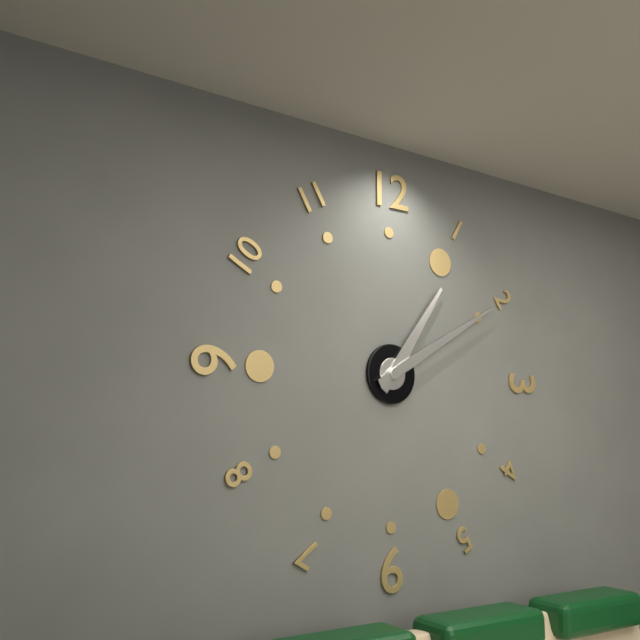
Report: h=1 m=10
